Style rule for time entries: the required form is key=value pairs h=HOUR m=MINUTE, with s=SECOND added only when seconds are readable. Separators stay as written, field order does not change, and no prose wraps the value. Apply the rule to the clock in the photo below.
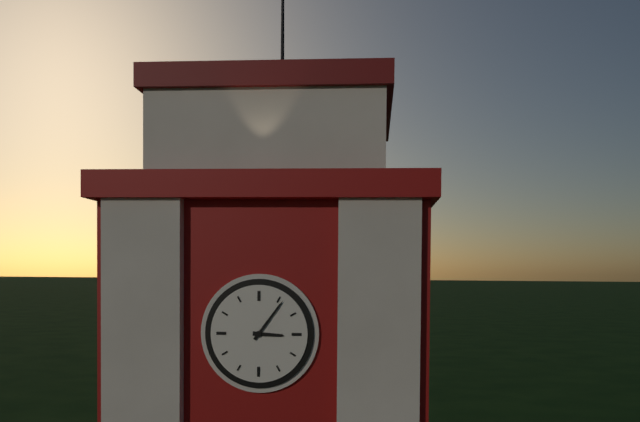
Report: h=3 m=6
